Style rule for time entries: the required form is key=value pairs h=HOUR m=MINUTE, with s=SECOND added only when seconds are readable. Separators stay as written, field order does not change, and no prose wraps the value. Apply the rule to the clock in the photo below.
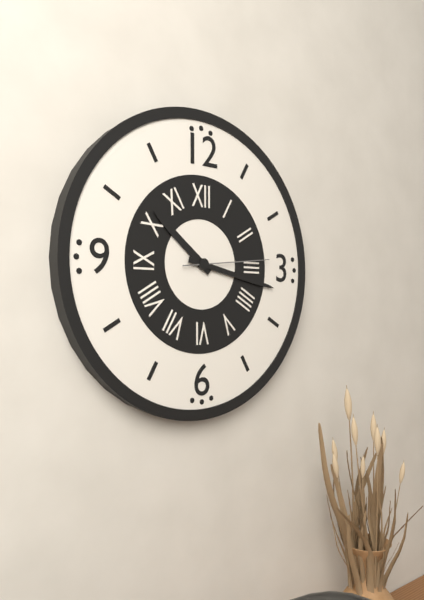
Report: h=10 m=17 s=14
